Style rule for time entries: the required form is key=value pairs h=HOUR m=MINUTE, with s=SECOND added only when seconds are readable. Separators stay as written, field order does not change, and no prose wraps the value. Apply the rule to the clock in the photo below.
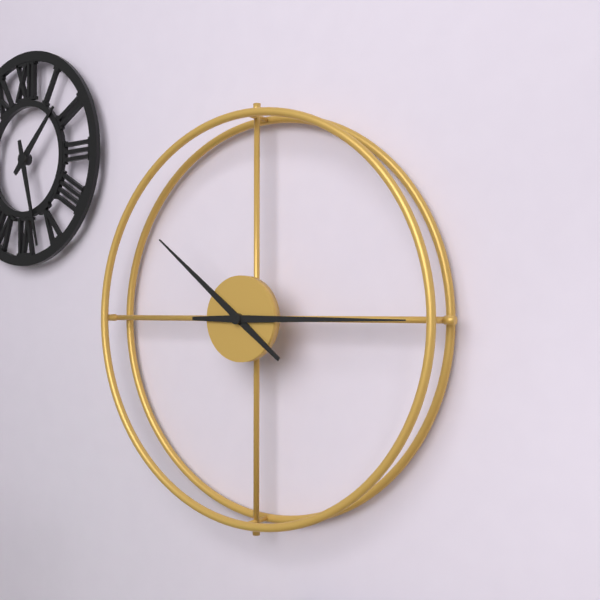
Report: h=10 m=15
